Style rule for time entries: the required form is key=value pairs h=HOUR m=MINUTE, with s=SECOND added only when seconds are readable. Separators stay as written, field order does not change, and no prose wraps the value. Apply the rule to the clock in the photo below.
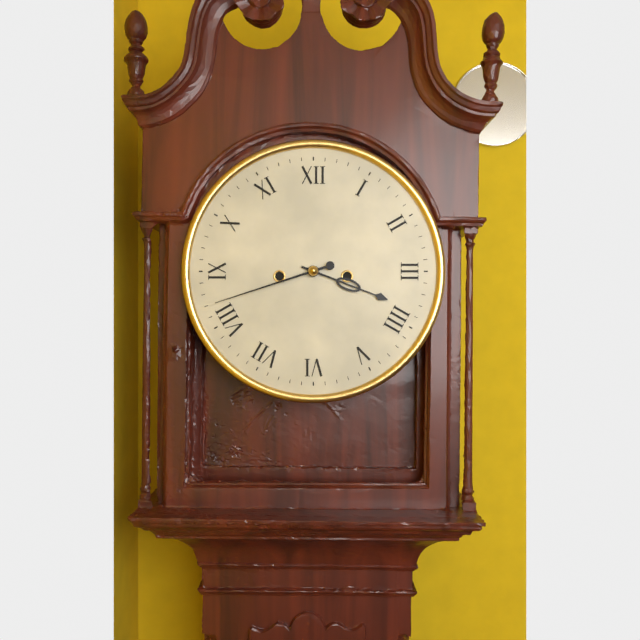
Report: h=3 m=42
